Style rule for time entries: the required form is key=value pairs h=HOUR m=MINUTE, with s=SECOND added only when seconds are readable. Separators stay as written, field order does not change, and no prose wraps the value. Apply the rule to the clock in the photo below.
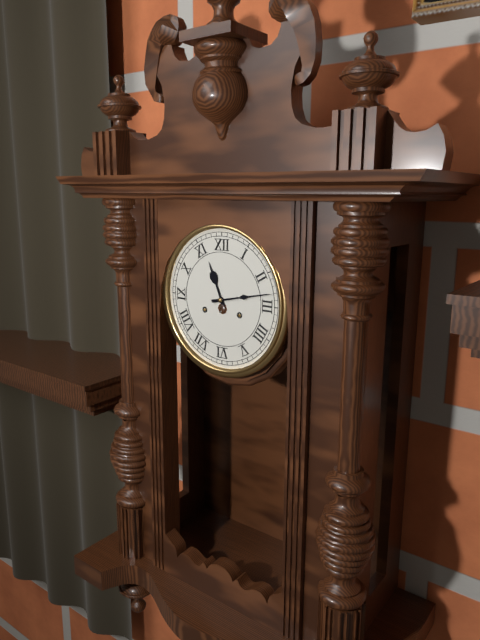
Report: h=11 m=13
